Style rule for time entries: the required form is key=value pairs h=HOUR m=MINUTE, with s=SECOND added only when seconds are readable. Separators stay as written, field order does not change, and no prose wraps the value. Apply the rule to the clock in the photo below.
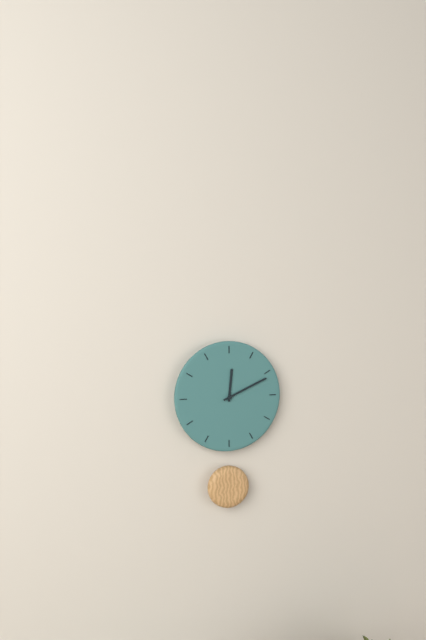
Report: h=12 m=11
